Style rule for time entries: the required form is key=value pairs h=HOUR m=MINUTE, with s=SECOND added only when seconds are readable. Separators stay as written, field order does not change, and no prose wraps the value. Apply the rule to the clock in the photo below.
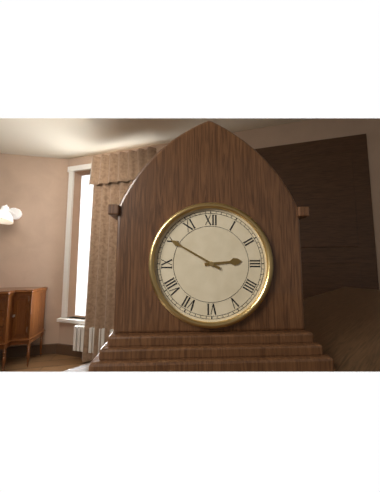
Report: h=2 m=50
